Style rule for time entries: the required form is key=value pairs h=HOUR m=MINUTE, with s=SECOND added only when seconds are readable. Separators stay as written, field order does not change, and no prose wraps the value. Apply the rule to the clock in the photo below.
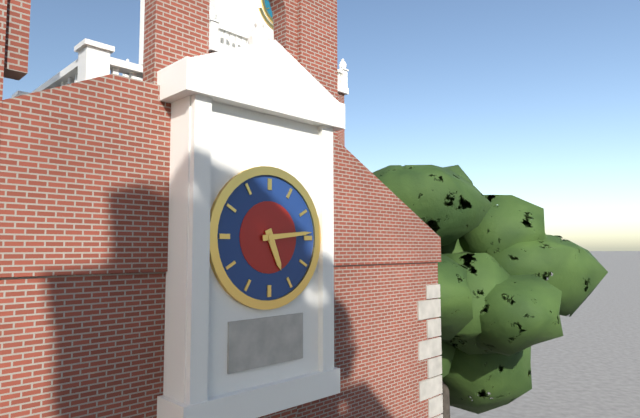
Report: h=5 m=14
